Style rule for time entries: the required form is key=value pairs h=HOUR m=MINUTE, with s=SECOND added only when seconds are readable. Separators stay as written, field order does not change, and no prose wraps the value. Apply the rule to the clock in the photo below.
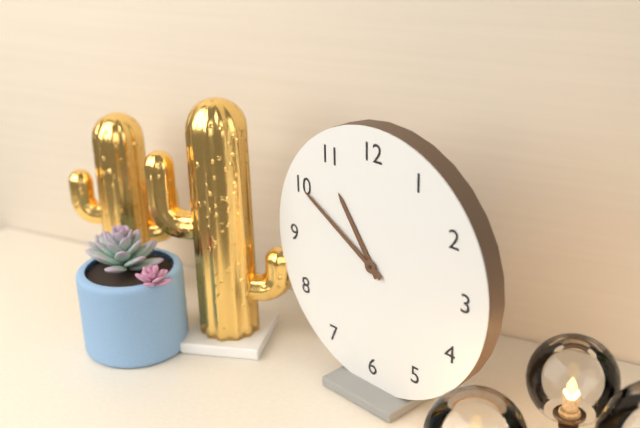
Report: h=10 m=50
